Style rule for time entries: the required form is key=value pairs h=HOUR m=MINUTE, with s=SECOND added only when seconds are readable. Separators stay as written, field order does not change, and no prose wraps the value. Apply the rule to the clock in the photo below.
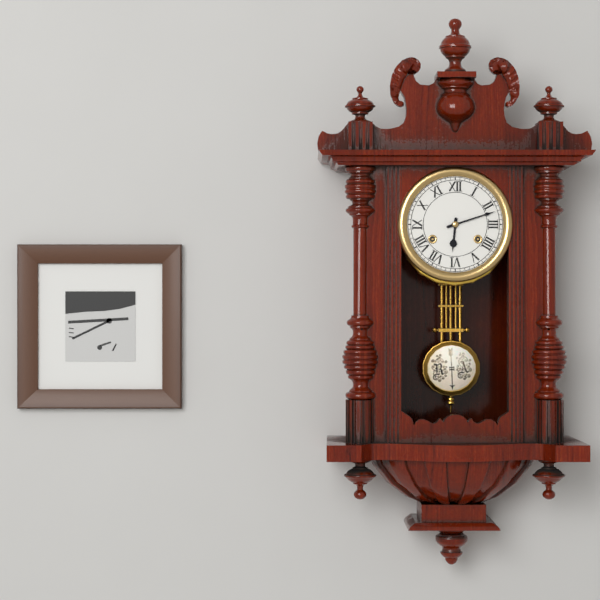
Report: h=6 m=12
